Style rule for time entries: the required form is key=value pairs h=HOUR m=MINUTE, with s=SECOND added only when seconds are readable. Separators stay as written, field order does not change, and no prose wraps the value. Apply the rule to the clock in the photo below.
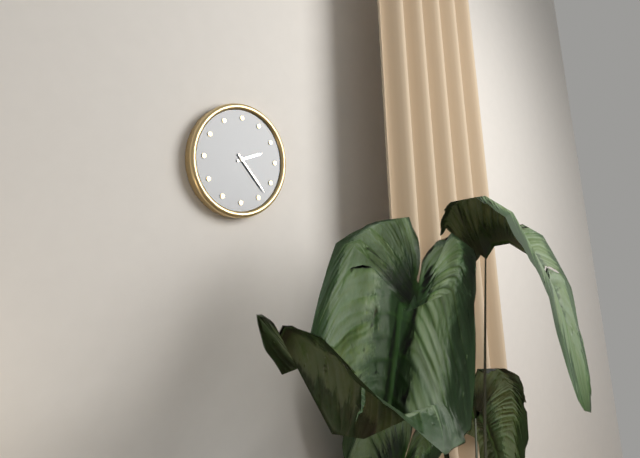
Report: h=2 m=23
